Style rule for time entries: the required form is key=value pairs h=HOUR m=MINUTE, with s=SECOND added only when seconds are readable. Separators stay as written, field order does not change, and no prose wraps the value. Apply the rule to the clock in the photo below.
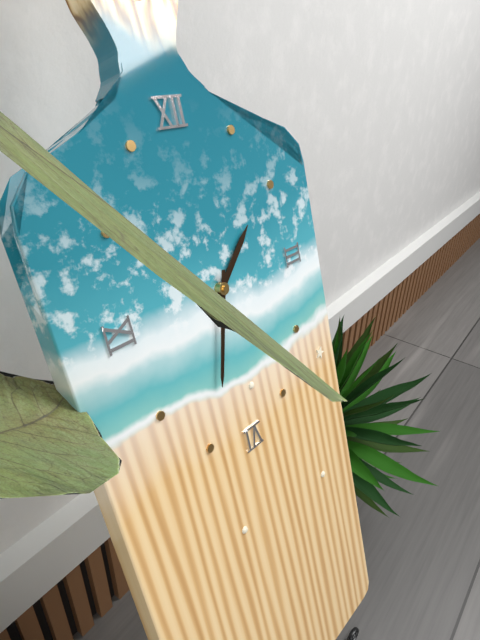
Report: h=1 m=33
